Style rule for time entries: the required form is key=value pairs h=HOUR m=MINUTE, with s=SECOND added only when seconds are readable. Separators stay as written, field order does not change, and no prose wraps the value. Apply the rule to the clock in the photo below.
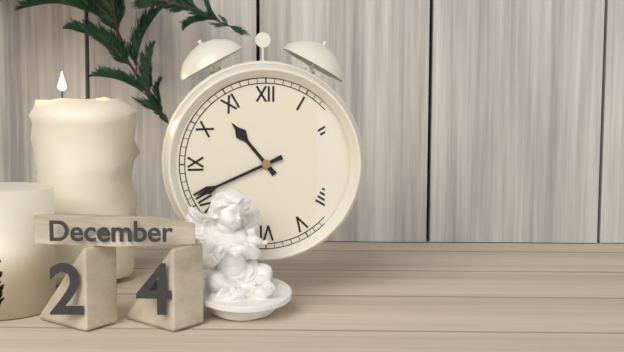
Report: h=10 m=41
